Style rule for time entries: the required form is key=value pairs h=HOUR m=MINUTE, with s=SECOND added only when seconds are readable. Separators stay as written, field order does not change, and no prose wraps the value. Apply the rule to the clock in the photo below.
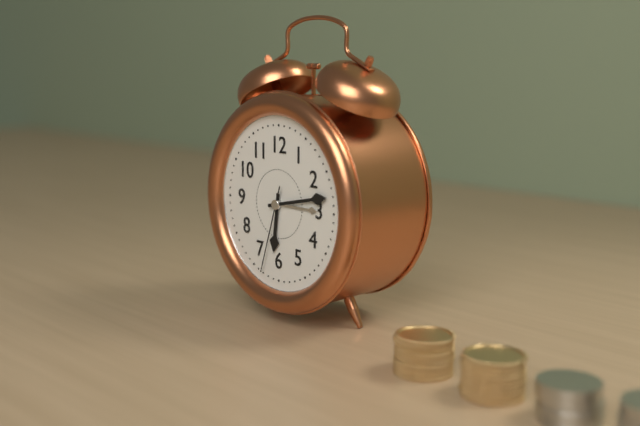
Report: h=6 m=13 s=33
